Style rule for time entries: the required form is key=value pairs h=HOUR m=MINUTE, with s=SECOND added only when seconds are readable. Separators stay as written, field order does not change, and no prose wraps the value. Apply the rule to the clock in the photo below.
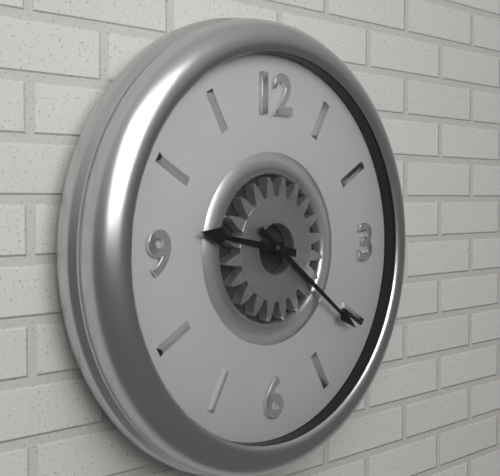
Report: h=9 m=21
